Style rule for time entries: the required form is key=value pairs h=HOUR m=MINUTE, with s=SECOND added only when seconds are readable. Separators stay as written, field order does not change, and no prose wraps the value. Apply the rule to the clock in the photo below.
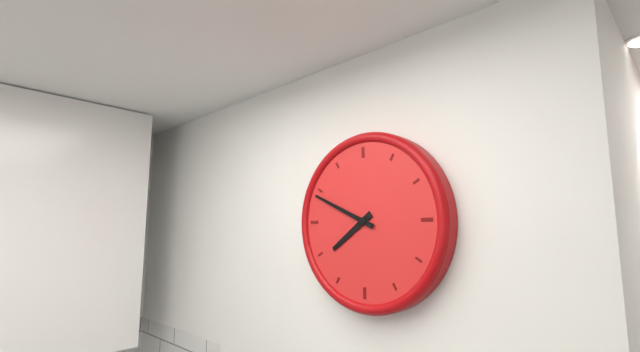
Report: h=7 m=49
